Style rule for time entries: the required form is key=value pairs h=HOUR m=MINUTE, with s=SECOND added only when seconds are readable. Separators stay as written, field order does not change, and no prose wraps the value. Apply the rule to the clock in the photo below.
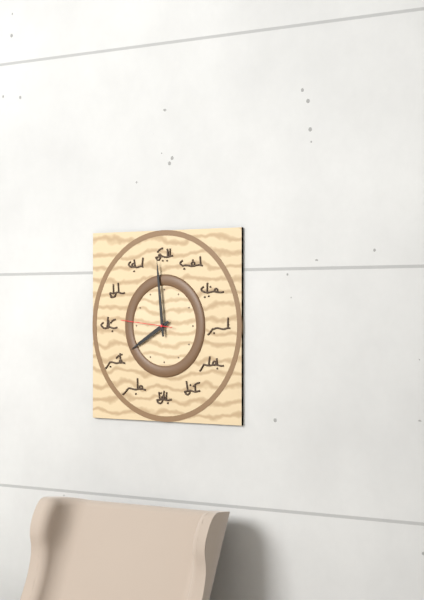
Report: h=7 m=59 s=46
